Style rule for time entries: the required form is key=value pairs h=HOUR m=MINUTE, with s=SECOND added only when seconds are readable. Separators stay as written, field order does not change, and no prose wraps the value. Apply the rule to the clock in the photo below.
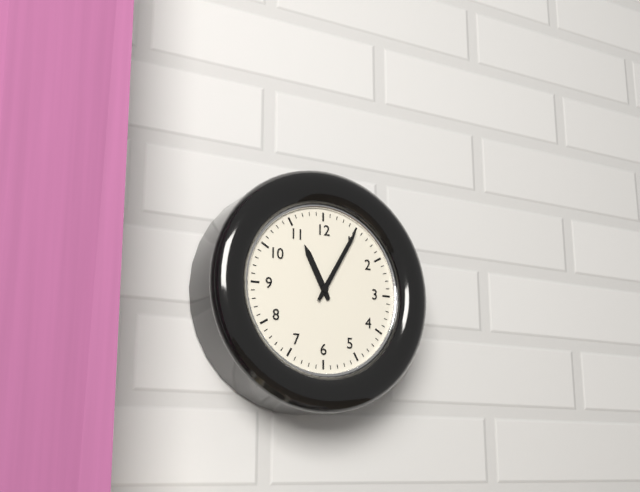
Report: h=11 m=5
